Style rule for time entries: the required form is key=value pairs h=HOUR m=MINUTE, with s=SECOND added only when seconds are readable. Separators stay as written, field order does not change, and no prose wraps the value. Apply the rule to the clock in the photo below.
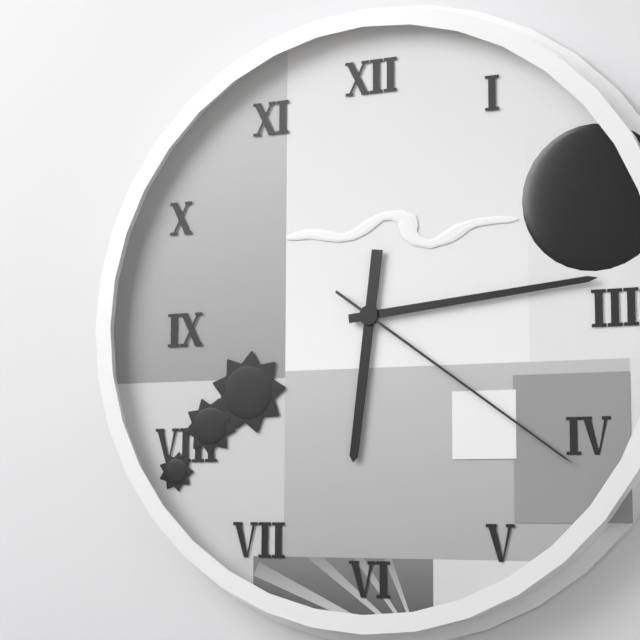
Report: h=6 m=14 s=21
